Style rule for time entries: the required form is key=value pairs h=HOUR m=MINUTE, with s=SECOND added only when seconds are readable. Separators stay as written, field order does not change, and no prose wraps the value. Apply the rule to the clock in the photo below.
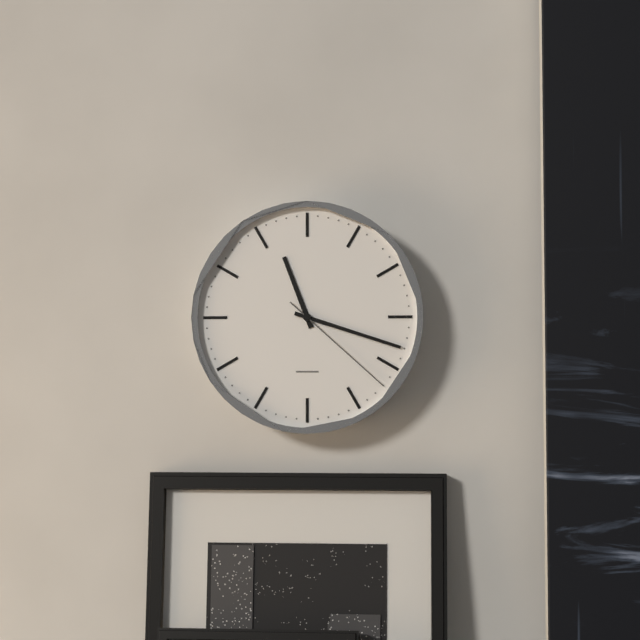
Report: h=11 m=18 s=22
